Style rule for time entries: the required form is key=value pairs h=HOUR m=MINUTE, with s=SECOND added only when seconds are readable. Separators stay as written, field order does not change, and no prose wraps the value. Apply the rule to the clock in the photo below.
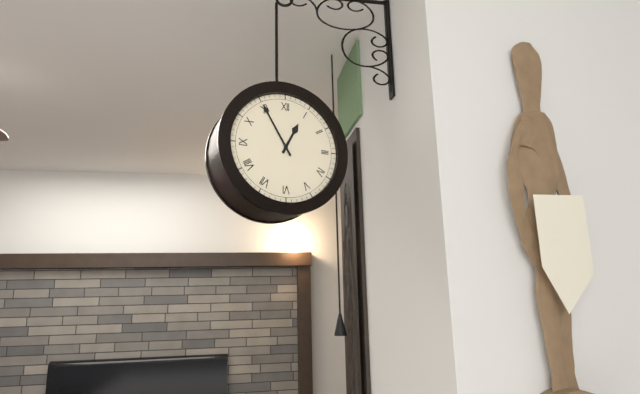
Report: h=12 m=55
